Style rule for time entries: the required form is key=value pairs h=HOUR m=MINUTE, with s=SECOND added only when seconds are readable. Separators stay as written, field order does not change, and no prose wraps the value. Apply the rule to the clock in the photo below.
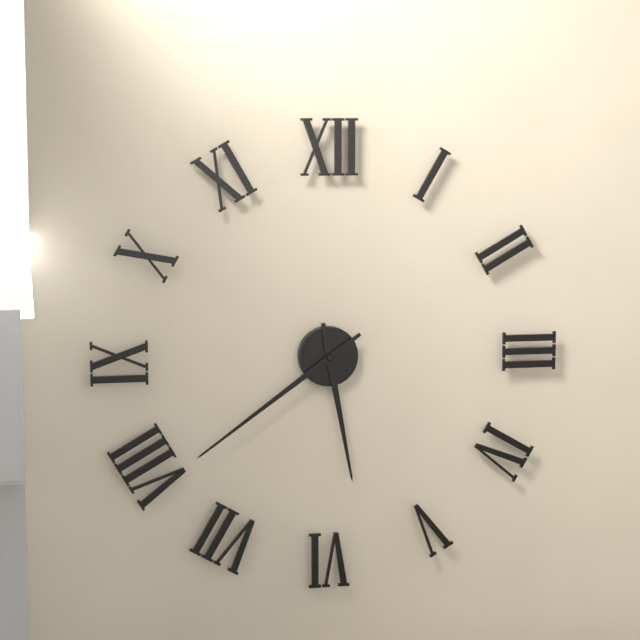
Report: h=5 m=39
